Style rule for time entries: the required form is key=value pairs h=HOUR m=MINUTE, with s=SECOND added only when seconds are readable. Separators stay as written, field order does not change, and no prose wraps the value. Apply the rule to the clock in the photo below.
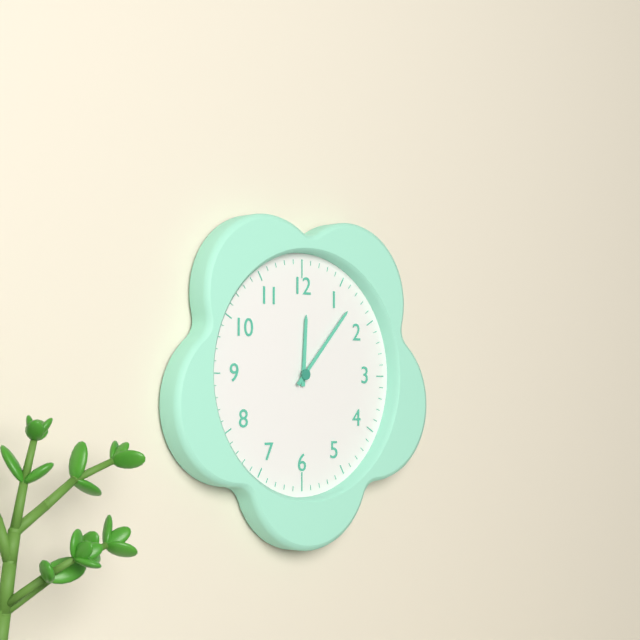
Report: h=12 m=7
